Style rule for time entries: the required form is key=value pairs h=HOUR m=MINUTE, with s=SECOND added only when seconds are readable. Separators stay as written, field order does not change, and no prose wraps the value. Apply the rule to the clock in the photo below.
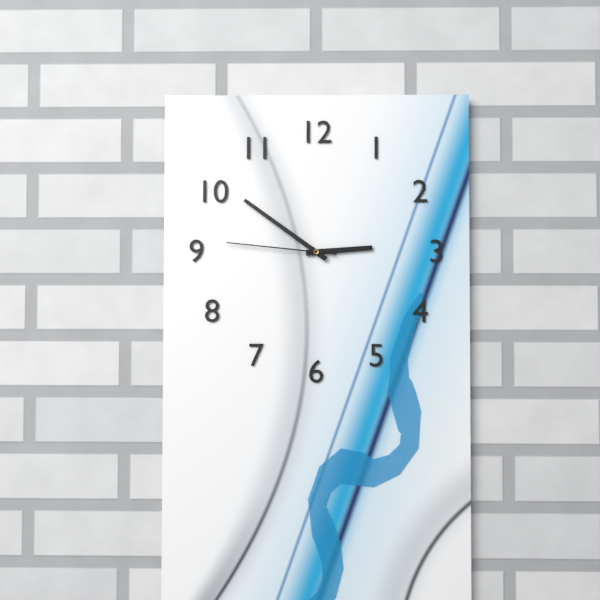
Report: h=2 m=51 s=46
